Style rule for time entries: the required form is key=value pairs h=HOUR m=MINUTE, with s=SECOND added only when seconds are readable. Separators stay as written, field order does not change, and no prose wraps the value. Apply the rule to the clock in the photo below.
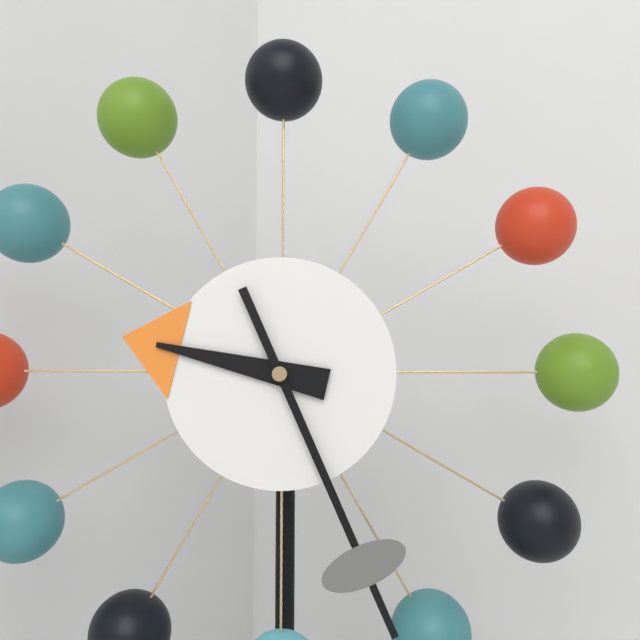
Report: h=9 m=26
